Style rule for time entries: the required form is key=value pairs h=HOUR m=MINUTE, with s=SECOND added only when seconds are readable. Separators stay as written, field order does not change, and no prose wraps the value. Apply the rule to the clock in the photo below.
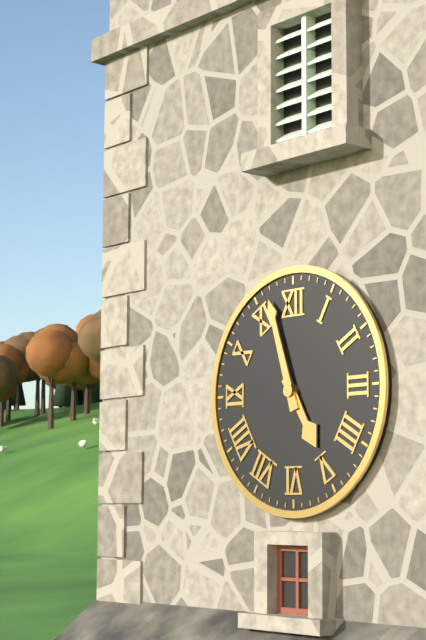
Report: h=4 m=57
